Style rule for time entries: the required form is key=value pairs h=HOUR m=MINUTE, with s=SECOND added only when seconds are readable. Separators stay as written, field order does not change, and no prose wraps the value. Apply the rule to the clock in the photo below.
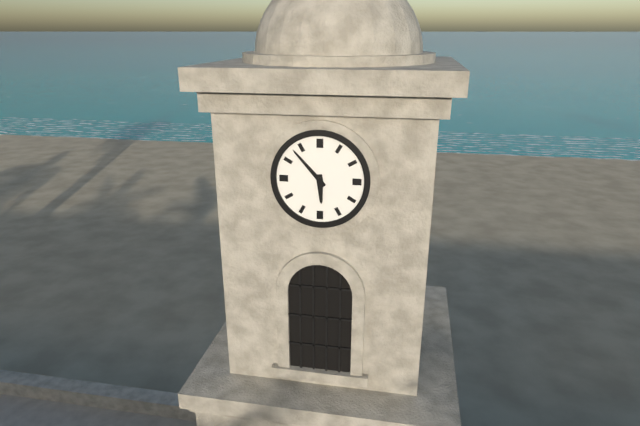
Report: h=5 m=53
